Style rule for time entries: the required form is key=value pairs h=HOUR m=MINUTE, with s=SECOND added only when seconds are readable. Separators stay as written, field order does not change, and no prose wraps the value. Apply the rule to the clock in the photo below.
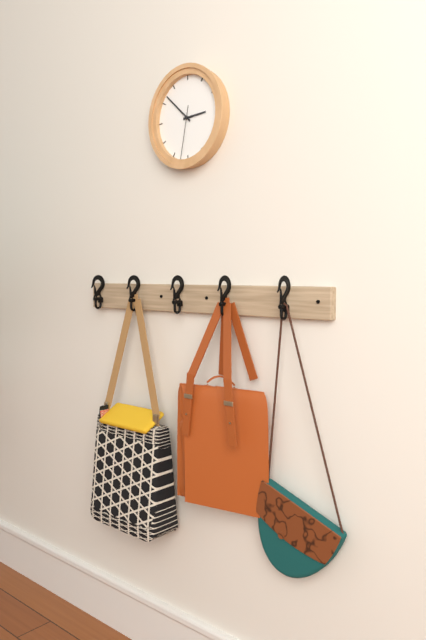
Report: h=2 m=52 s=32
